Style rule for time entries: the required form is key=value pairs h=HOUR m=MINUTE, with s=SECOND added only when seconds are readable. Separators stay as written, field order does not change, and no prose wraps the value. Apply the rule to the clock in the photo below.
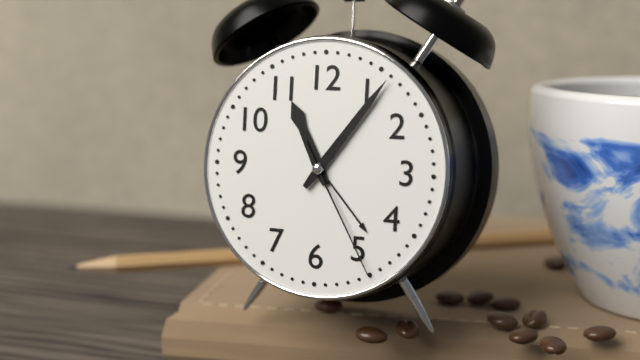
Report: h=11 m=6 s=25
